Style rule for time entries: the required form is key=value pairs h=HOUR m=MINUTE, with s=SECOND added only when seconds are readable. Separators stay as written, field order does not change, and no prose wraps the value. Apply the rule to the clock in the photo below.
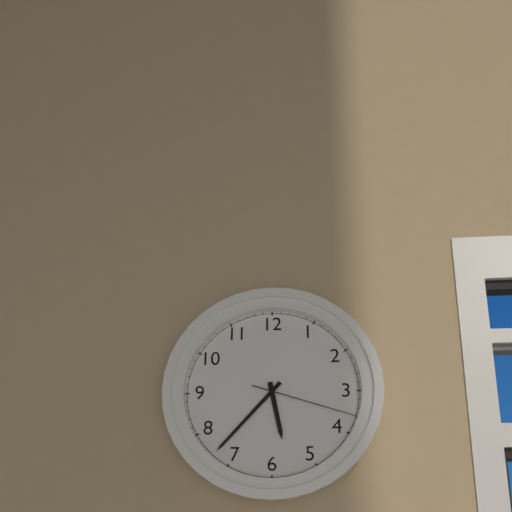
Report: h=5 m=37 s=18
